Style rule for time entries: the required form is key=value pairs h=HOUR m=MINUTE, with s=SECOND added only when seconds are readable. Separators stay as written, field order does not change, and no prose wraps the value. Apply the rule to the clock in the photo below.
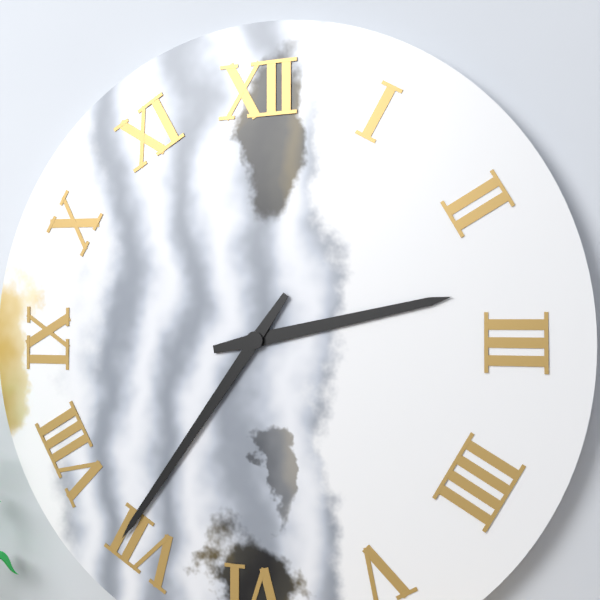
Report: h=2 m=36
